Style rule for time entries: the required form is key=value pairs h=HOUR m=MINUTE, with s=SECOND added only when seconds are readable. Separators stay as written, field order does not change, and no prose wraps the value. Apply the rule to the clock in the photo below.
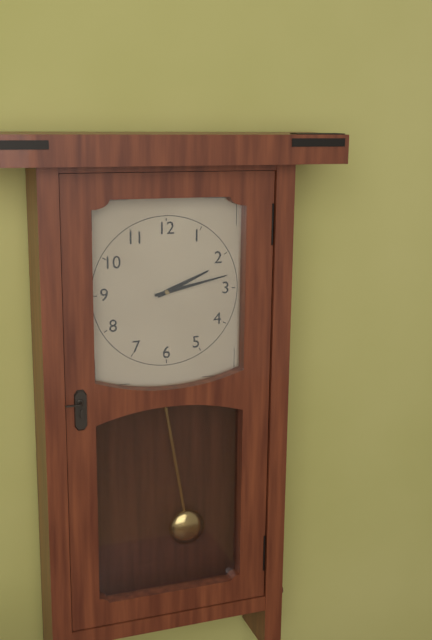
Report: h=2 m=13
